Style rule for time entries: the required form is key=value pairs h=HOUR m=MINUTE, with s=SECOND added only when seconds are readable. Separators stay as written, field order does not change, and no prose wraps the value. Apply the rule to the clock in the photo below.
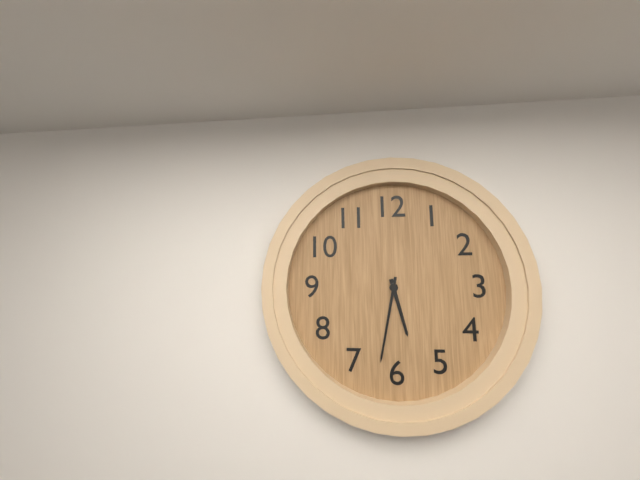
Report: h=5 m=32
